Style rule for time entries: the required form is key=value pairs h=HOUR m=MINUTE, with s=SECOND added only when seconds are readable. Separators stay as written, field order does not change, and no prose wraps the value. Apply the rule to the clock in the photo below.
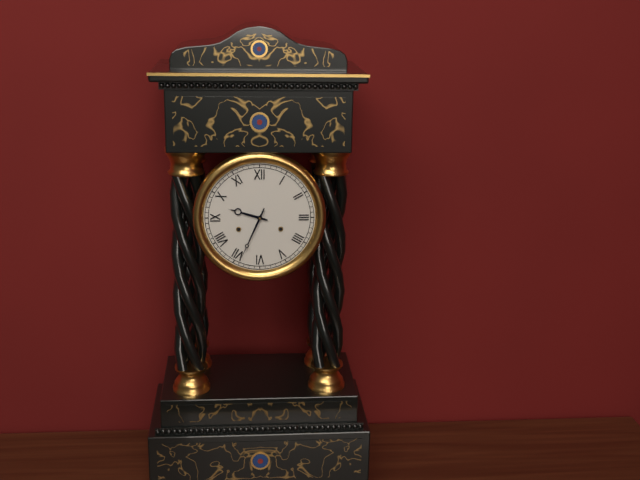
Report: h=9 m=34
